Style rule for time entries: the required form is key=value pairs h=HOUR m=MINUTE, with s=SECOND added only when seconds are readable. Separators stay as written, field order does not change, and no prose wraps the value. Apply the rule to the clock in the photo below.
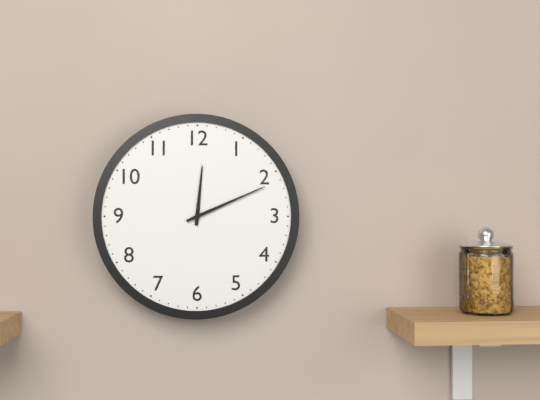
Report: h=12 m=11
